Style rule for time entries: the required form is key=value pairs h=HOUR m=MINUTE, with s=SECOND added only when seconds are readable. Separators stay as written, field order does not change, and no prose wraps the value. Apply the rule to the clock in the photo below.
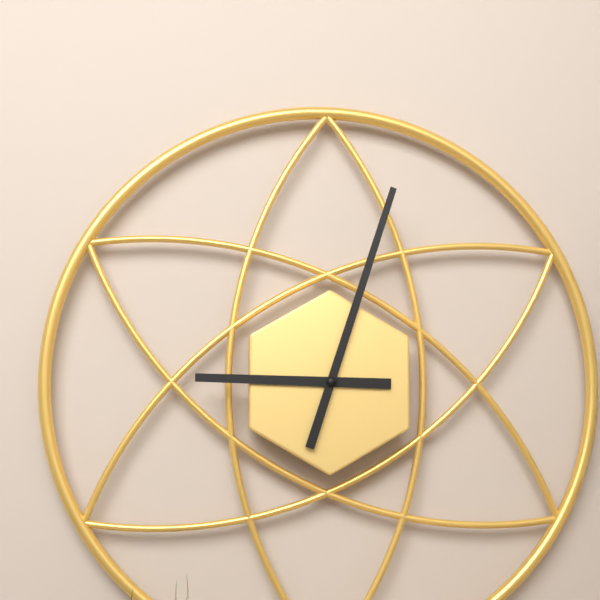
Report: h=9 m=3
